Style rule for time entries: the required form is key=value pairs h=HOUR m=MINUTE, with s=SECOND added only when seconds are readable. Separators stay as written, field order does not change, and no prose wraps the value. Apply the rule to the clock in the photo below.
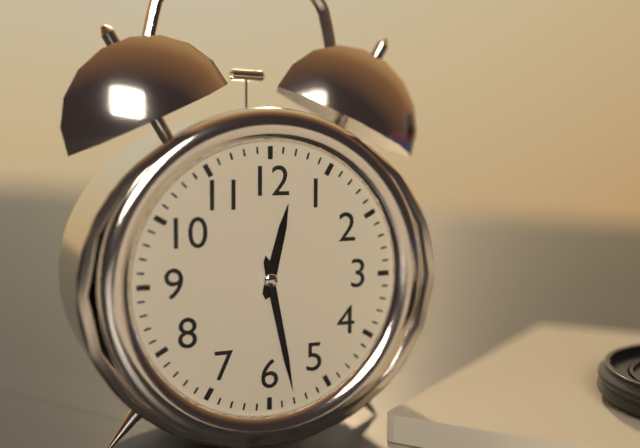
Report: h=12 m=28
